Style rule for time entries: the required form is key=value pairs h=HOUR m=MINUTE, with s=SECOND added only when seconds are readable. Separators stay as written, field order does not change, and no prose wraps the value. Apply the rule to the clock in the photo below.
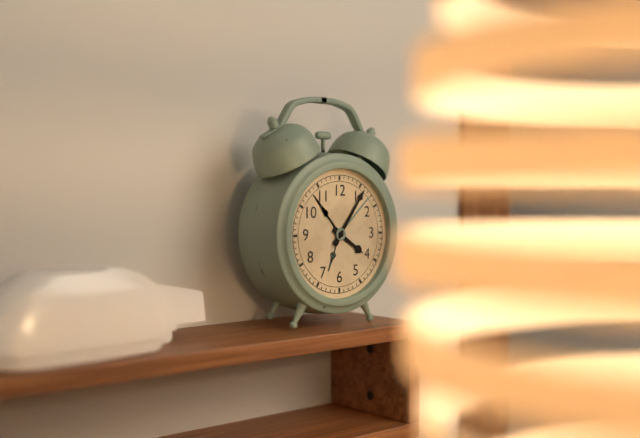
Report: h=4 m=6
